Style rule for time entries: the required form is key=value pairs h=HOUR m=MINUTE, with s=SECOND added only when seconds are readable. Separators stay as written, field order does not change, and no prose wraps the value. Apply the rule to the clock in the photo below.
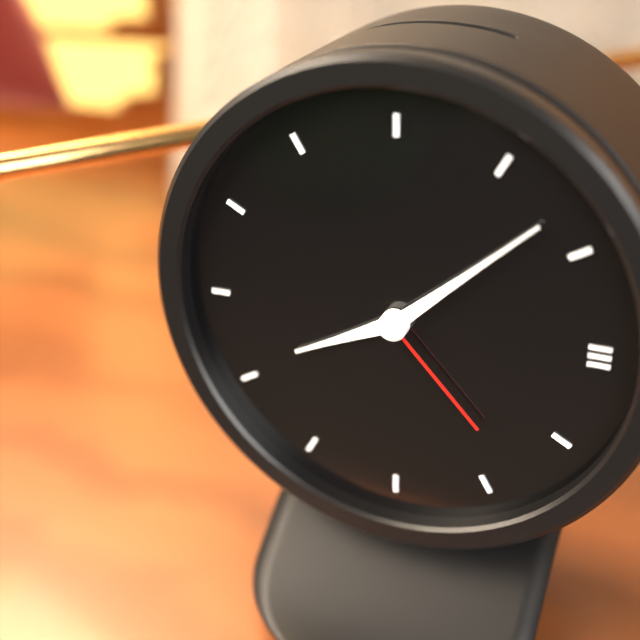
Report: h=8 m=8 s=23
